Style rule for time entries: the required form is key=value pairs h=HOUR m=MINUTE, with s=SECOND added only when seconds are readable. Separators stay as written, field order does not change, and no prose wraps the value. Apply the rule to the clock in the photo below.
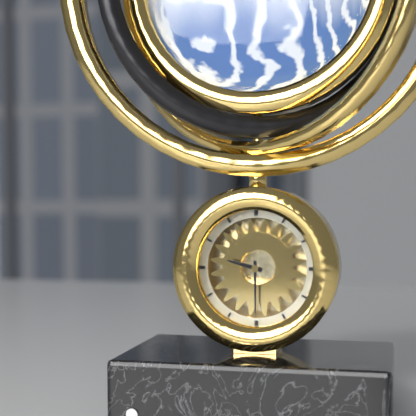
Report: h=9 m=30
